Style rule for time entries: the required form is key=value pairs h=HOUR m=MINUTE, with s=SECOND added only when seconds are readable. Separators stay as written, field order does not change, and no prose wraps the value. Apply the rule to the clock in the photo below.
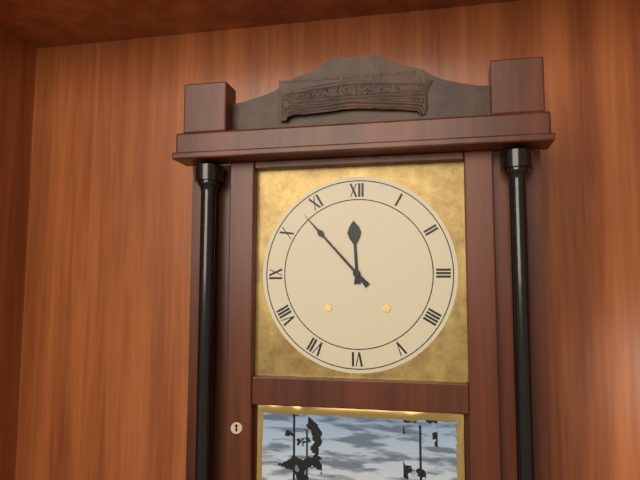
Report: h=11 m=53
